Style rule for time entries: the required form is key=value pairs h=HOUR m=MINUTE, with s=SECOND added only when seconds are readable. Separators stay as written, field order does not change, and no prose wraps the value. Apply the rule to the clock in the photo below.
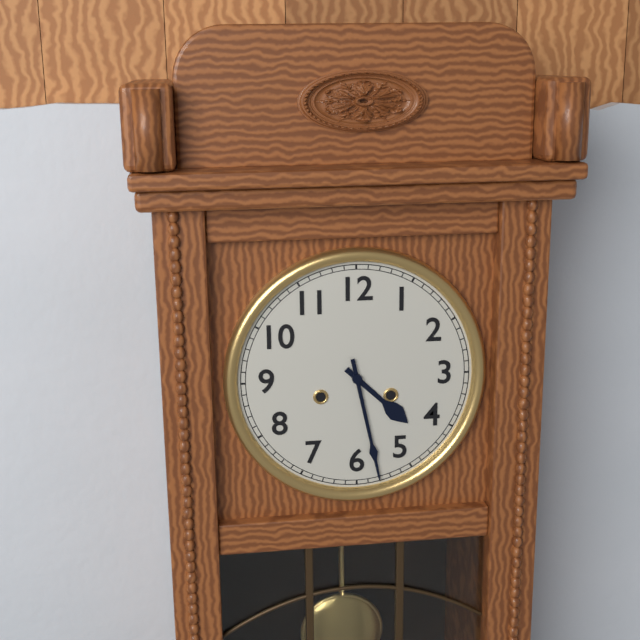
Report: h=4 m=28
